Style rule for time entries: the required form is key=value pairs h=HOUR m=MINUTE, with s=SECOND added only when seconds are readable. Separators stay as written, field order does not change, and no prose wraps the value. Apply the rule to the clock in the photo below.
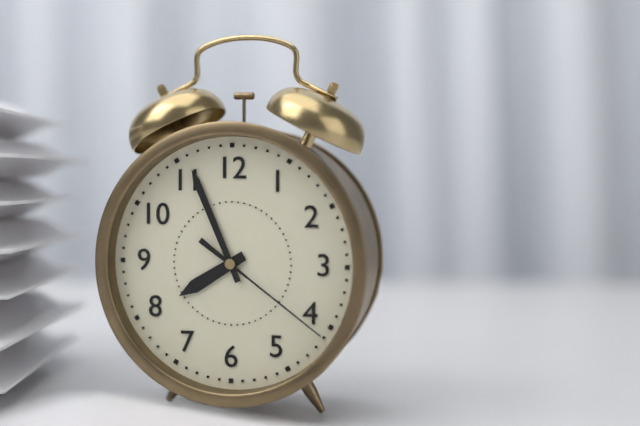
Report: h=7 m=56 s=21
